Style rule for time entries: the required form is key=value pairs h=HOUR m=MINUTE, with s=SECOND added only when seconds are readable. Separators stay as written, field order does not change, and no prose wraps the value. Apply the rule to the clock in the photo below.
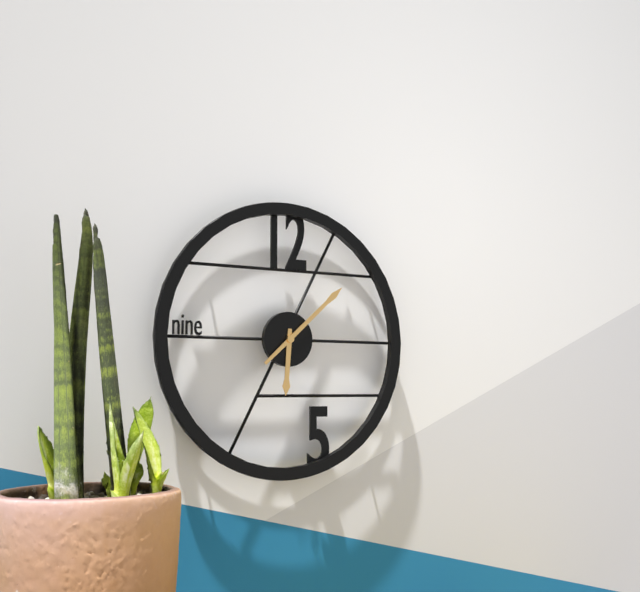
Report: h=6 m=8
